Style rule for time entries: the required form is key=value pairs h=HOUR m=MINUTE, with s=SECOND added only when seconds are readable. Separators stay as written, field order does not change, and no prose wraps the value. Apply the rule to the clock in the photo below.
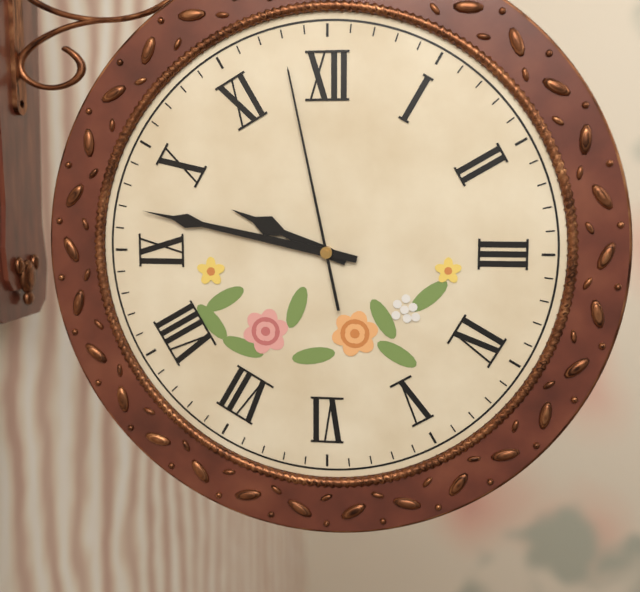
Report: h=9 m=47 s=58
